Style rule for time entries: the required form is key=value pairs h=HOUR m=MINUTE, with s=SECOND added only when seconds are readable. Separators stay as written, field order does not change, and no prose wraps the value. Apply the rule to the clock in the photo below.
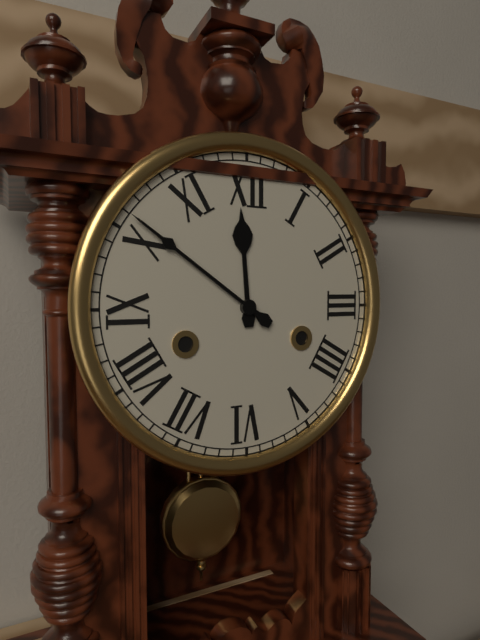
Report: h=11 m=51
